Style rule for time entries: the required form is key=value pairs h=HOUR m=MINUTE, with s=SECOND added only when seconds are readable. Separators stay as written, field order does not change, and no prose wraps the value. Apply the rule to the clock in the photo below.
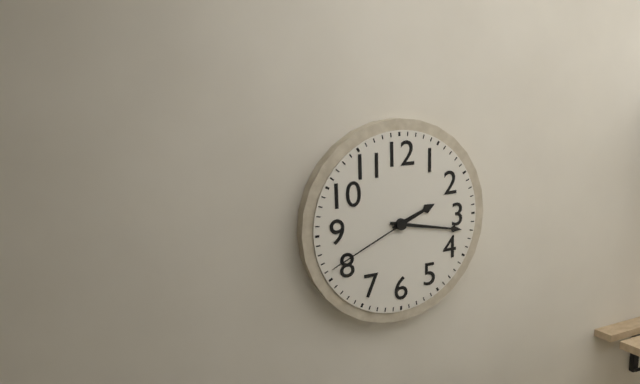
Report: h=2 m=17 s=41
